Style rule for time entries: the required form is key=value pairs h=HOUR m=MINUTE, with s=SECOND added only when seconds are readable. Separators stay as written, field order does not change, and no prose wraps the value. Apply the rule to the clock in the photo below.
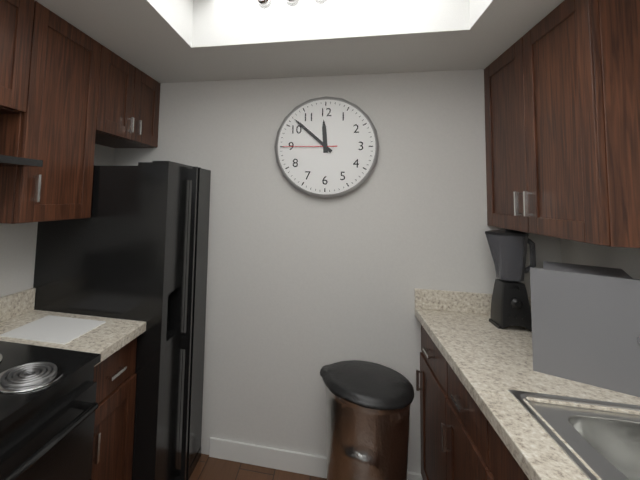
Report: h=11 m=52 s=45
